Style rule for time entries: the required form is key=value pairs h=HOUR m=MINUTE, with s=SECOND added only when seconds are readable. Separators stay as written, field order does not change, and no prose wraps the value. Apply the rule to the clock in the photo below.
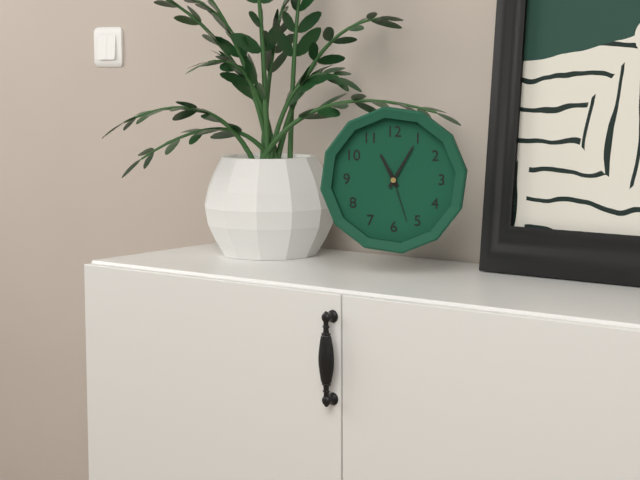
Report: h=11 m=5 s=27
